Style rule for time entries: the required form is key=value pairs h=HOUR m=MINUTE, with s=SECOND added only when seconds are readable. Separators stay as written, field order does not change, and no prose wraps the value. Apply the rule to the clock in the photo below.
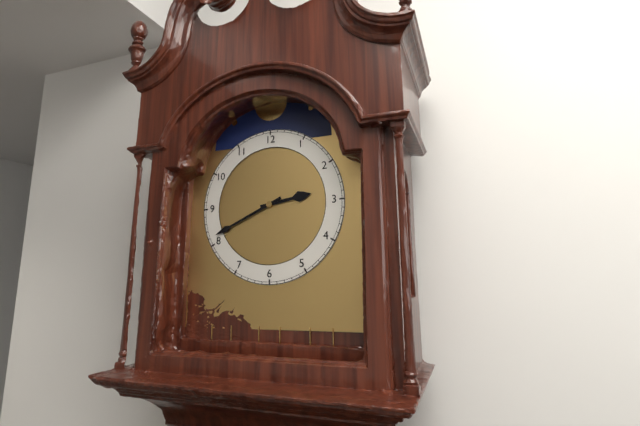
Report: h=2 m=41
